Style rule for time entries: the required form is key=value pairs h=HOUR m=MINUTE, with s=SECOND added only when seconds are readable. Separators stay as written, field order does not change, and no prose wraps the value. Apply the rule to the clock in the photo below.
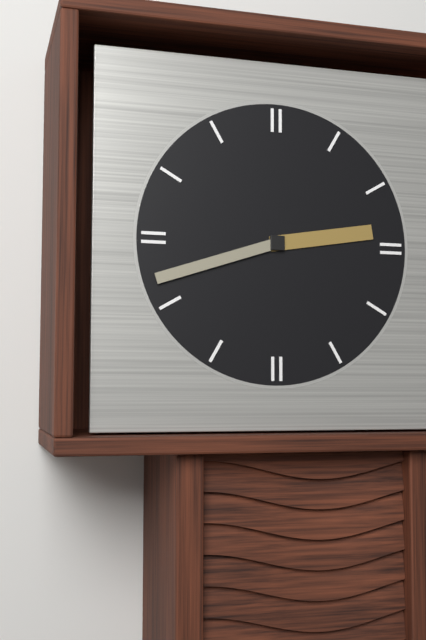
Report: h=2 m=42
